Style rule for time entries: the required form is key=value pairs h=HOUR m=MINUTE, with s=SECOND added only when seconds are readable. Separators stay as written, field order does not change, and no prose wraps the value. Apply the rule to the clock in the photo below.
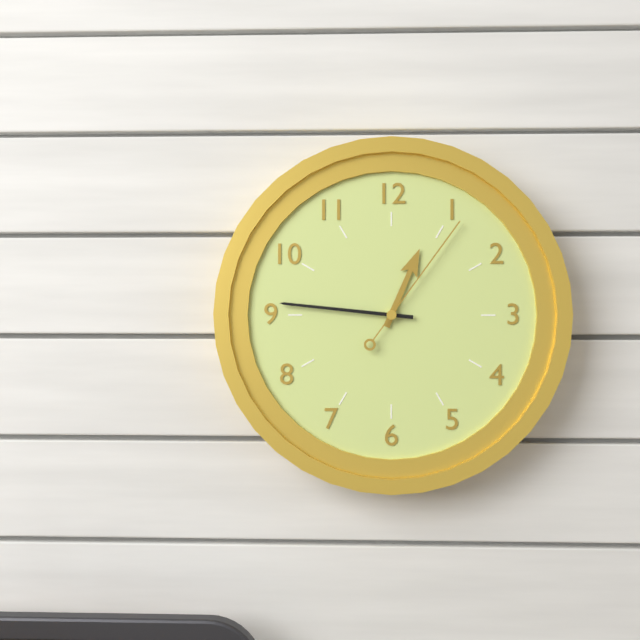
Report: h=12 m=46 s=6
